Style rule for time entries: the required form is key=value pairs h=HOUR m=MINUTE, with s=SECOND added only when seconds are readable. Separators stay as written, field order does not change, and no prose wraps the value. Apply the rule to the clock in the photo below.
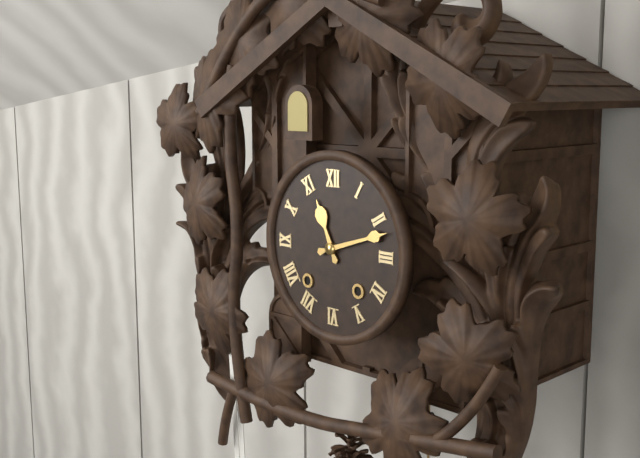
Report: h=11 m=12
